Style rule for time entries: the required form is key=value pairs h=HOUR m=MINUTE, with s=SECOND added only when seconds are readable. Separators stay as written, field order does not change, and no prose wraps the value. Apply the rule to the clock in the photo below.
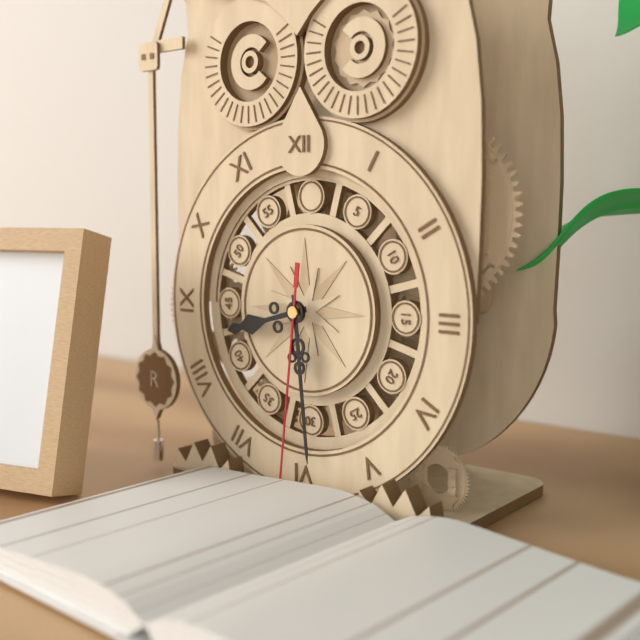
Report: h=8 m=29 s=31
